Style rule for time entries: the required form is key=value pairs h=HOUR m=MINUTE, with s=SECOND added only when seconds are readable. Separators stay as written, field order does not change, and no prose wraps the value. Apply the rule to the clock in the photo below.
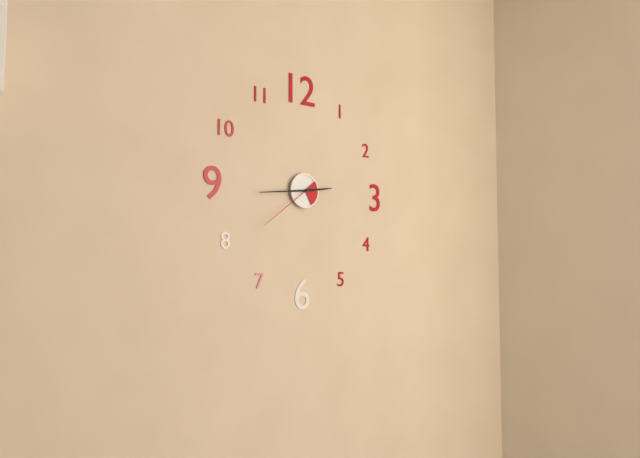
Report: h=2 m=44 s=39
